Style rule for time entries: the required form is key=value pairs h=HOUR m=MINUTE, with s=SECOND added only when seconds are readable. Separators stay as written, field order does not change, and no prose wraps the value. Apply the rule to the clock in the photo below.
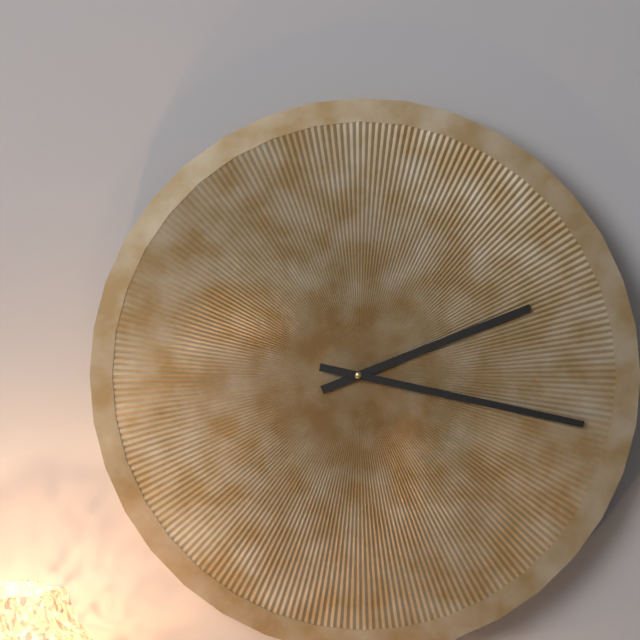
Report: h=2 m=17
